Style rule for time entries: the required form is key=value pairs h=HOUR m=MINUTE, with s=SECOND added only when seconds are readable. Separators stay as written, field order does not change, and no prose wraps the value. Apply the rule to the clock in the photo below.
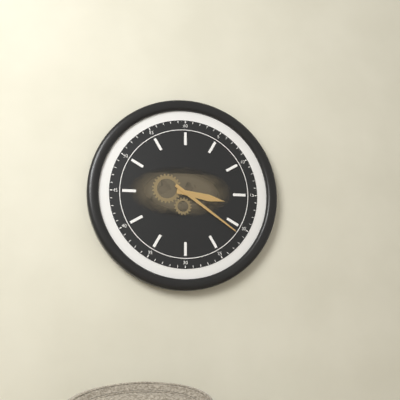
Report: h=3 m=21
